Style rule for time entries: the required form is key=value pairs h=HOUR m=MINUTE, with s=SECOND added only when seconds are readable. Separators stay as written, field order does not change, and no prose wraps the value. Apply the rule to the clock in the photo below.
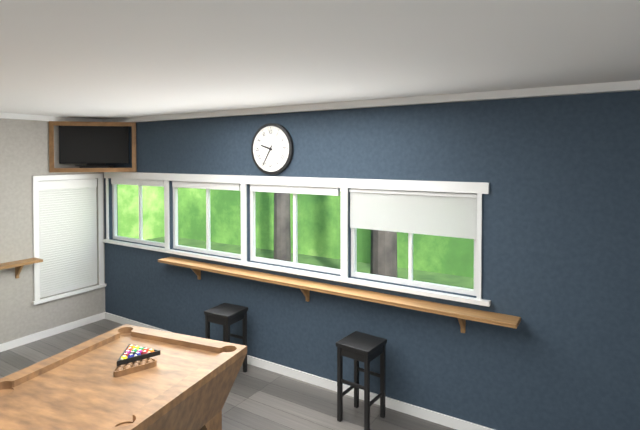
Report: h=9 m=35
